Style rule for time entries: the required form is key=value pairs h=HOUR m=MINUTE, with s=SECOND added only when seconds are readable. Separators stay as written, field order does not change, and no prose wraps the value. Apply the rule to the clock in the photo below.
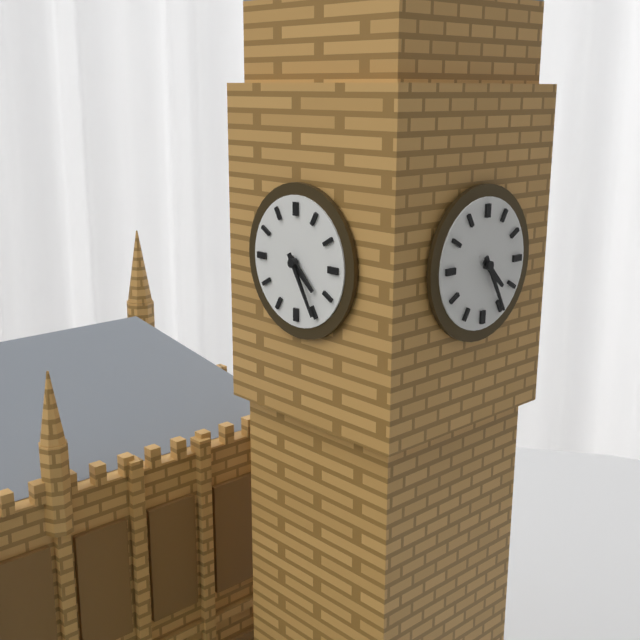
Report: h=4 m=25
